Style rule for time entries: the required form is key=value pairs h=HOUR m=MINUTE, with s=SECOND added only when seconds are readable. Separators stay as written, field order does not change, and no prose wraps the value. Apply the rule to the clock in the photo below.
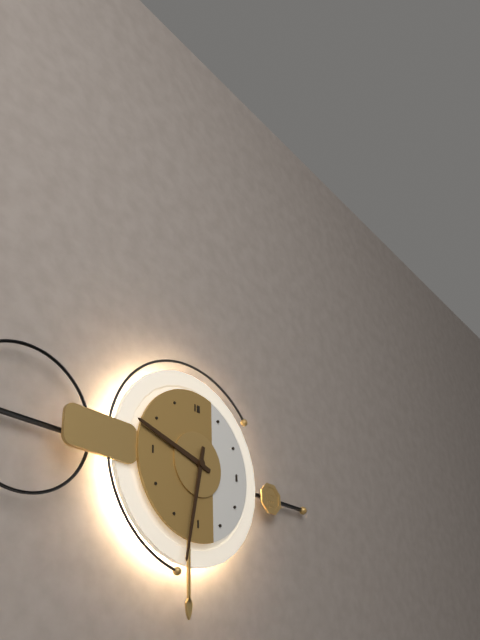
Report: h=9 m=32
